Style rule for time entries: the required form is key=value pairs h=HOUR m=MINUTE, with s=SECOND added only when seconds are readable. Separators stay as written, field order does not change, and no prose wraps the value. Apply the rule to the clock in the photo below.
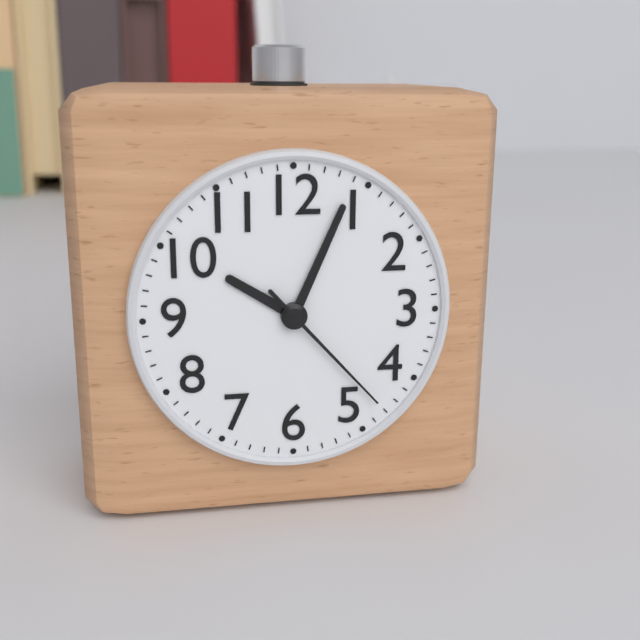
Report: h=10 m=4 s=23
